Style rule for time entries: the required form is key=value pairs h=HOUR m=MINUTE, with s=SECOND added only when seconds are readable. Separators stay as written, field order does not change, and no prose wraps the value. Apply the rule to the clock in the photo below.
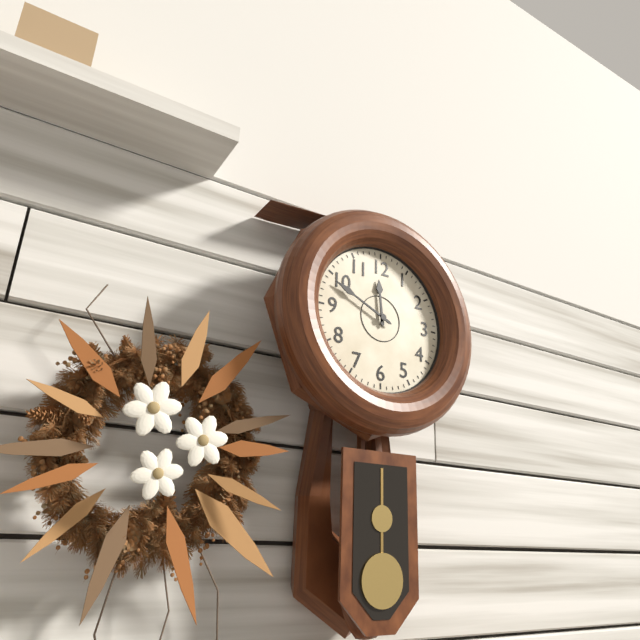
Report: h=11 m=49
